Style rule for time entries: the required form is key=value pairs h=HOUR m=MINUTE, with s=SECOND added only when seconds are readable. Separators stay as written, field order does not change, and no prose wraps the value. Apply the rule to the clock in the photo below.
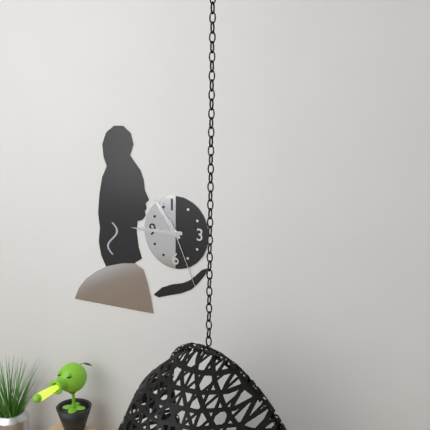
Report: h=10 m=45 s=26
